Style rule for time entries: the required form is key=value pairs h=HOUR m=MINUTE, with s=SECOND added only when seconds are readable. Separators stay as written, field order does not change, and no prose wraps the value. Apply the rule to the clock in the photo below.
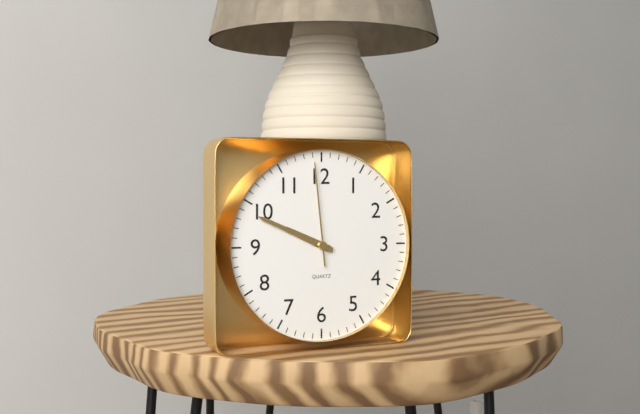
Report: h=9 m=49 s=59
